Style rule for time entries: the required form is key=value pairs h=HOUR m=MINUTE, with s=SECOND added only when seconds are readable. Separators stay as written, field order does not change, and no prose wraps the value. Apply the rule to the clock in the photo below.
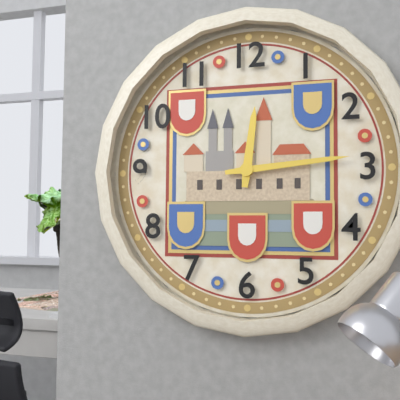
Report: h=12 m=14
